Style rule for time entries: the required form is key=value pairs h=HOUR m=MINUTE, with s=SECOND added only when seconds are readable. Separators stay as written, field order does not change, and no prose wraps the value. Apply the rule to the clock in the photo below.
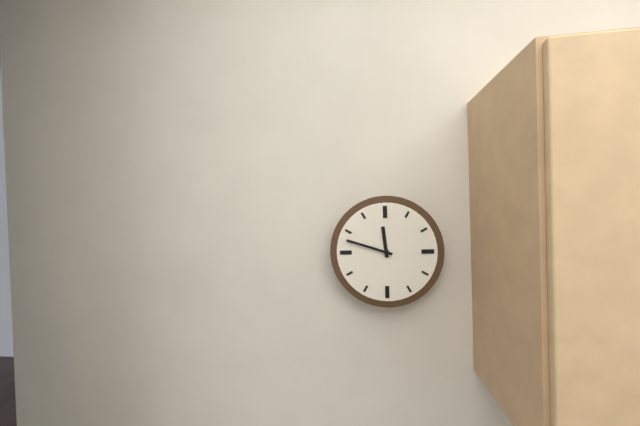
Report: h=11 m=48
